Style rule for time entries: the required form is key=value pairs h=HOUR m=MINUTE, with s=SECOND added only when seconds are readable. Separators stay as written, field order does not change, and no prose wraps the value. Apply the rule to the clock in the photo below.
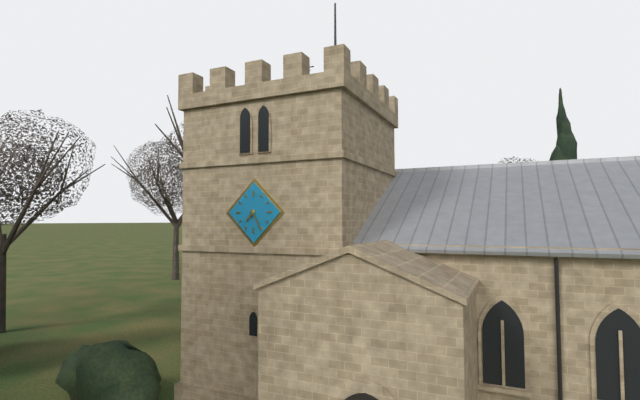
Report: h=7 m=25
